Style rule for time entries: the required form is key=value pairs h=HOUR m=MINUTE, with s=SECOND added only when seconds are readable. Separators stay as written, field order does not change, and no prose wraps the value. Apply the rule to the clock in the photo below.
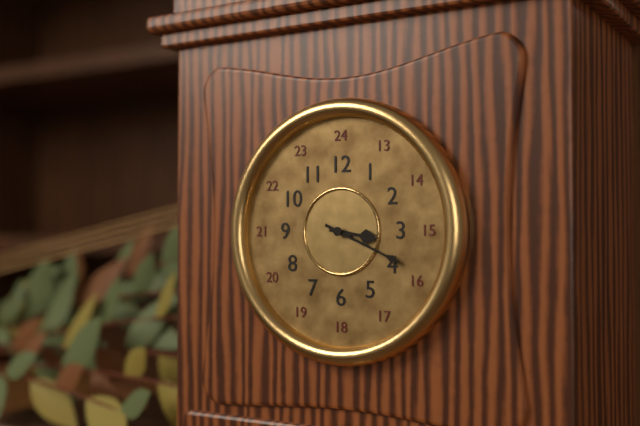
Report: h=3 m=19
